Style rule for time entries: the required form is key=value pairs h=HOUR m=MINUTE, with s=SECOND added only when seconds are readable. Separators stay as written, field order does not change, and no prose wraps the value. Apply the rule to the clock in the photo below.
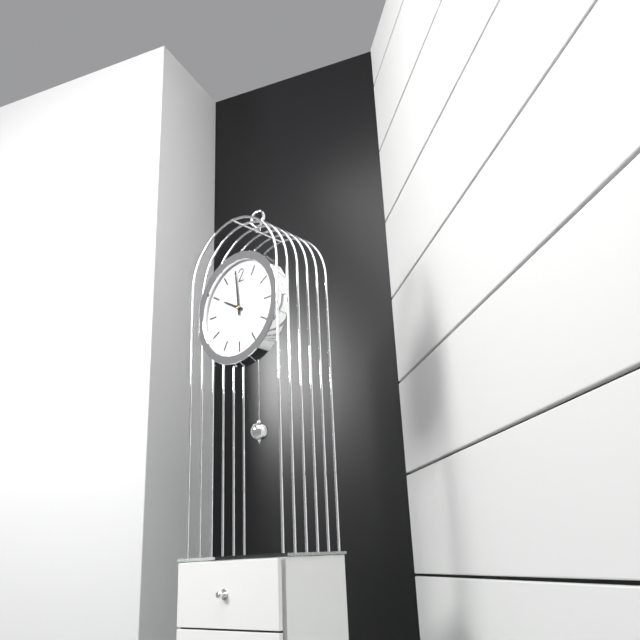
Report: h=9 m=59
